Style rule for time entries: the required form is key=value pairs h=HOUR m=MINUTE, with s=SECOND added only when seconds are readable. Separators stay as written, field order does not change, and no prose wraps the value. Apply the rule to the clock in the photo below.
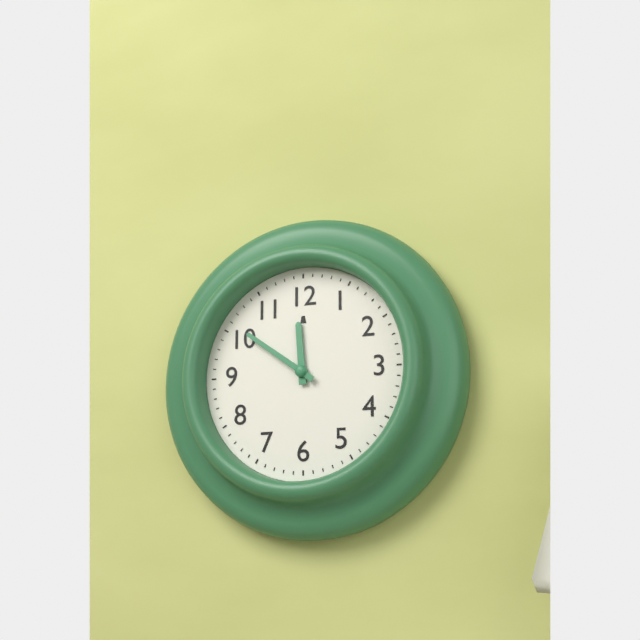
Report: h=11 m=51
